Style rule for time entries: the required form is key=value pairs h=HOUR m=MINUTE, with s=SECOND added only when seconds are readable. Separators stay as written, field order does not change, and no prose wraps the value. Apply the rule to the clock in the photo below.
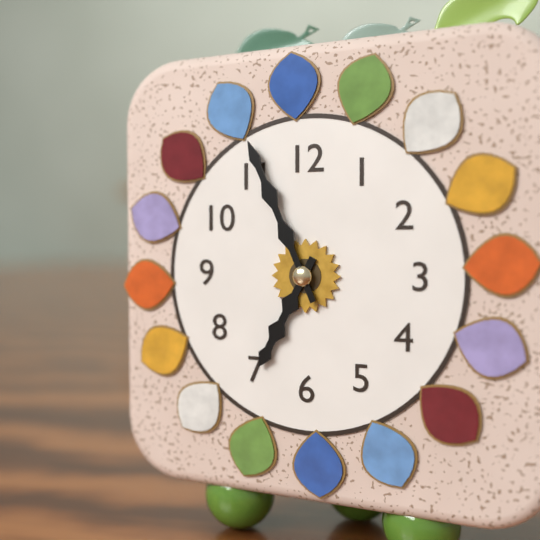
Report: h=6 m=56
